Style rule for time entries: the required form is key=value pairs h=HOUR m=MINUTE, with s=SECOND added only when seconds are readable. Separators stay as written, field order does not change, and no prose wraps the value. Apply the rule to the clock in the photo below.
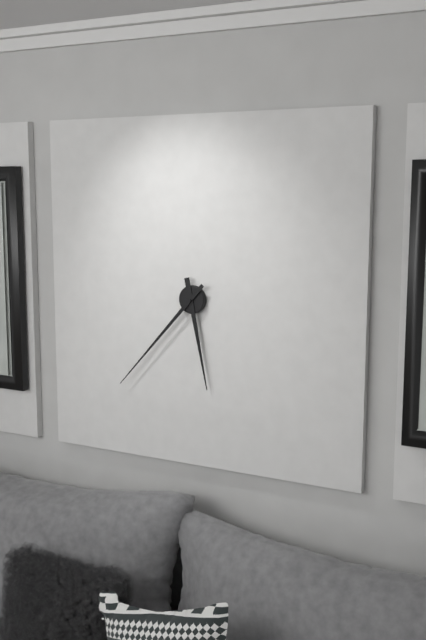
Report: h=5 m=37
